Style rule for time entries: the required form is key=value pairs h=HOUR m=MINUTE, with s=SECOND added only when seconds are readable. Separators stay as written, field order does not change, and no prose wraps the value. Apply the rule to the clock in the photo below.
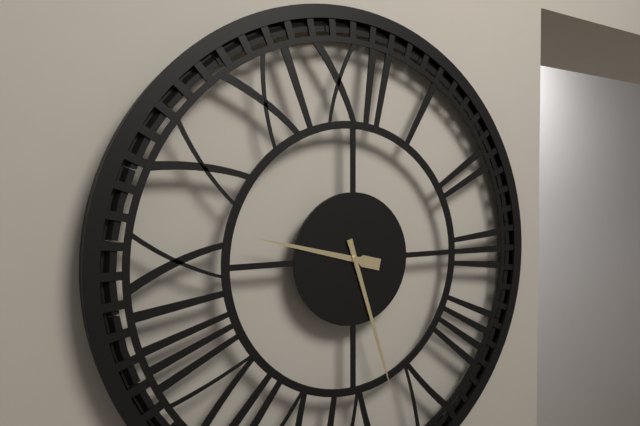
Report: h=9 m=27
